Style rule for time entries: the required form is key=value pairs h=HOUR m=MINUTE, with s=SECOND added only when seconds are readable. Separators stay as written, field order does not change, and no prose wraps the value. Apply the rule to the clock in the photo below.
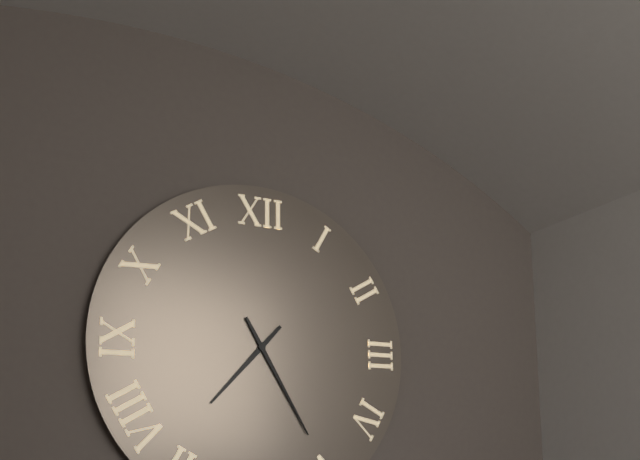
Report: h=7 m=25
